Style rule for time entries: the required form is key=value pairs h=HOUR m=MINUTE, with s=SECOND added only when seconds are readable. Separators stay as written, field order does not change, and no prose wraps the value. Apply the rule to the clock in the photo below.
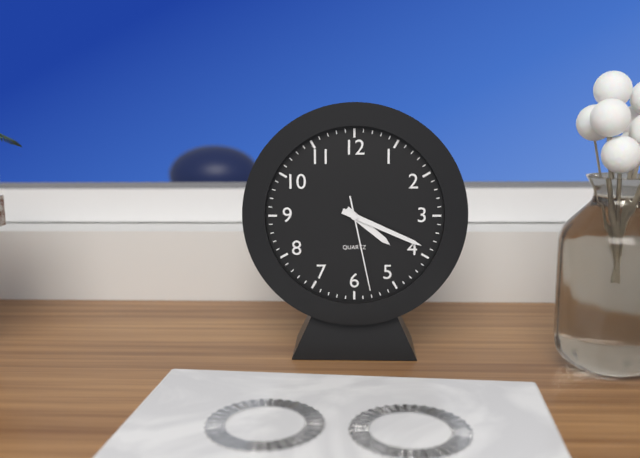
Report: h=4 m=19 s=28
